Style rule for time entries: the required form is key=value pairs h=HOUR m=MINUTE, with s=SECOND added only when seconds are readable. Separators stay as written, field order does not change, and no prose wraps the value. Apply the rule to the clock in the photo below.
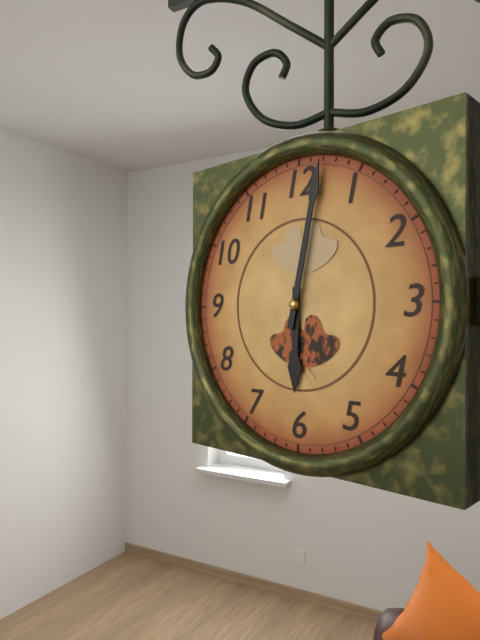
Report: h=6 m=2
